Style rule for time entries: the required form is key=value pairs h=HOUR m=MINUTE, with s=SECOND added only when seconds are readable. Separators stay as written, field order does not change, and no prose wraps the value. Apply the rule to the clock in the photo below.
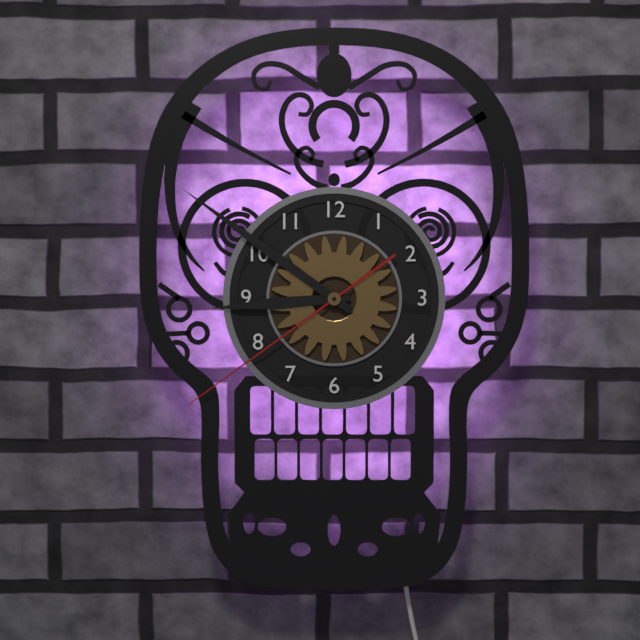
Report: h=8 m=51 s=39
